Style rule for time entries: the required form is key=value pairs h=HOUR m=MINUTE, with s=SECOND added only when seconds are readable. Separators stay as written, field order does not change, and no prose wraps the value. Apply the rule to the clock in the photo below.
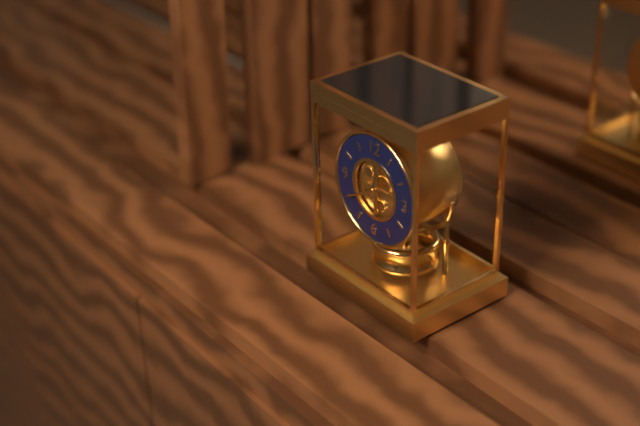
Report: h=12 m=40
